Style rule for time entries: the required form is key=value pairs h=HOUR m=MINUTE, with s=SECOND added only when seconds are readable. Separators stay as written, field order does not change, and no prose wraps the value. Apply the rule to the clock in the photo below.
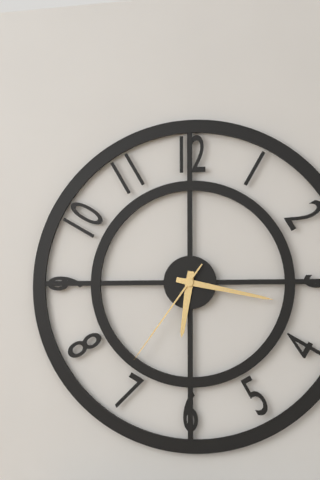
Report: h=6 m=17 s=36
